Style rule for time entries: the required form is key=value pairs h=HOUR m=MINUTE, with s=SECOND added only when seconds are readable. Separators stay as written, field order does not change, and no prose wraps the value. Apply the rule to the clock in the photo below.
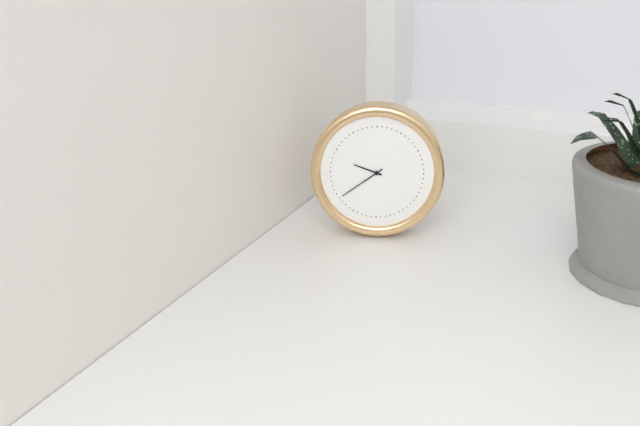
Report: h=9 m=39
